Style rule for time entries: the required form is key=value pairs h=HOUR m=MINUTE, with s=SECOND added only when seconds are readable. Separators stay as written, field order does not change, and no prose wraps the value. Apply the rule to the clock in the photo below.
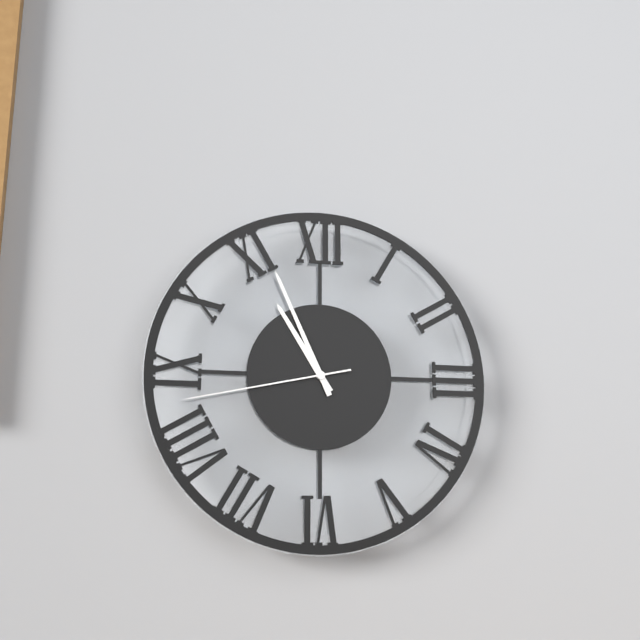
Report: h=10 m=56 s=43
